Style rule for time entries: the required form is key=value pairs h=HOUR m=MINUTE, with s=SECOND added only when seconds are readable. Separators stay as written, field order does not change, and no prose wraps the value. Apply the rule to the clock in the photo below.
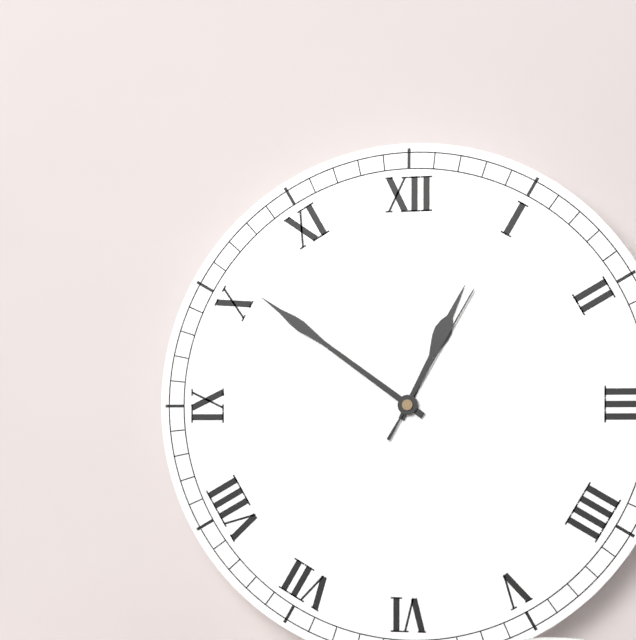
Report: h=12 m=51 s=5
